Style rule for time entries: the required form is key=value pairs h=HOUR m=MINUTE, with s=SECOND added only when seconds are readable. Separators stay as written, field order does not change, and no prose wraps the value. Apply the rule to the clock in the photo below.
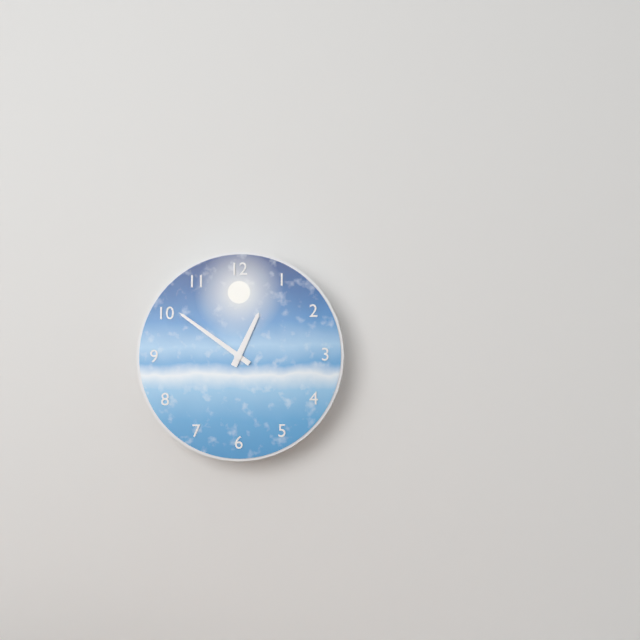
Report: h=12 m=51
